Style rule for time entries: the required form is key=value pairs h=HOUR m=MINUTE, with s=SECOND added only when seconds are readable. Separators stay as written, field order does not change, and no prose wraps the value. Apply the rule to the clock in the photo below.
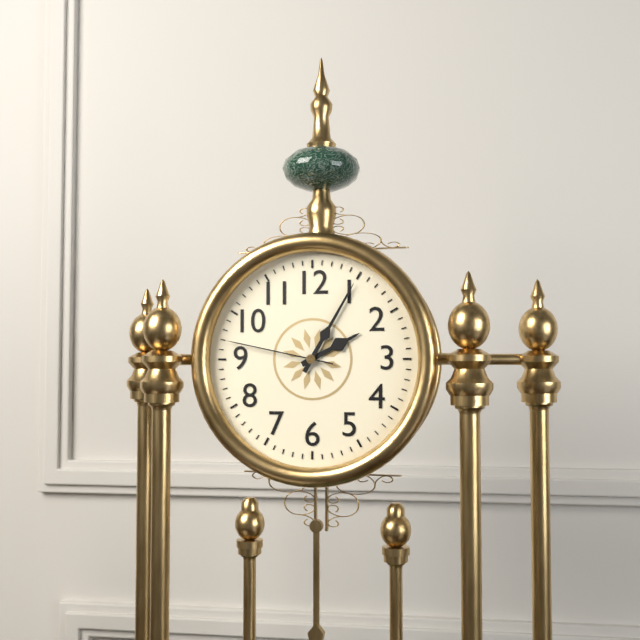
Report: h=2 m=5 s=47
